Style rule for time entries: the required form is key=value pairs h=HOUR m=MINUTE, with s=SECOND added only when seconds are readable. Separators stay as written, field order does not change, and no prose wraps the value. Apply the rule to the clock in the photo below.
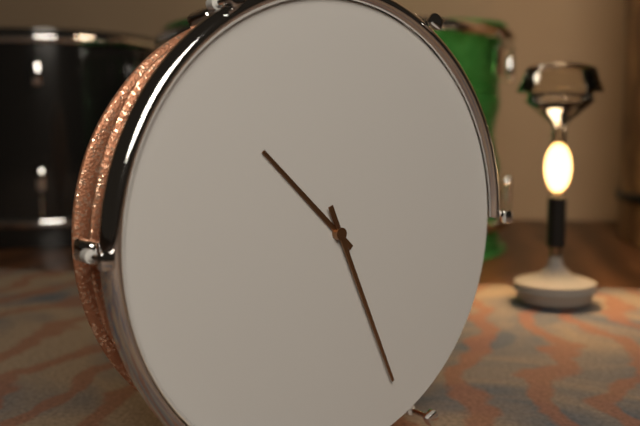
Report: h=10 m=26
